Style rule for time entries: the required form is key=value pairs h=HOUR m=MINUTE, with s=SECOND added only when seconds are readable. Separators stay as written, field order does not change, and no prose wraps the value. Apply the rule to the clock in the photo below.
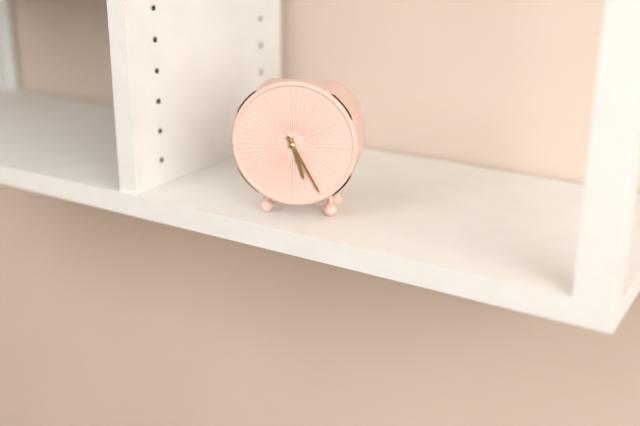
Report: h=5 m=25
